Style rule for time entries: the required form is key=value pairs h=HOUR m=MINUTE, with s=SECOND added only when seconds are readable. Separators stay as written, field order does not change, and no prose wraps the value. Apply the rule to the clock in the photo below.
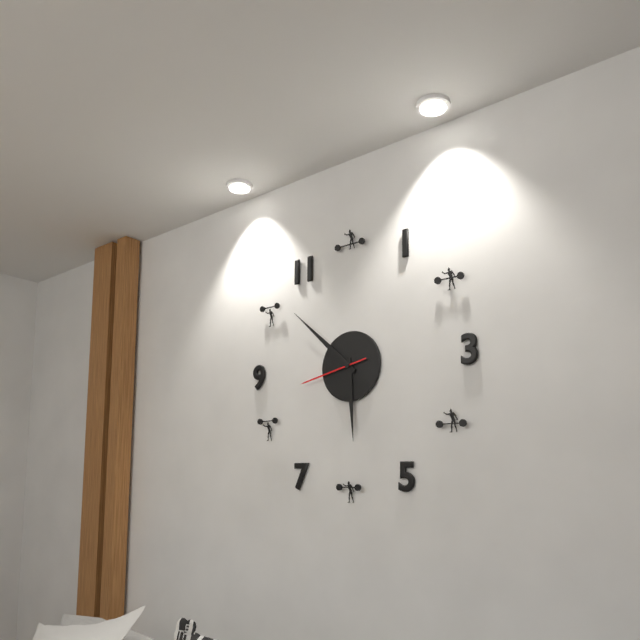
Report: h=5 m=52 s=43
